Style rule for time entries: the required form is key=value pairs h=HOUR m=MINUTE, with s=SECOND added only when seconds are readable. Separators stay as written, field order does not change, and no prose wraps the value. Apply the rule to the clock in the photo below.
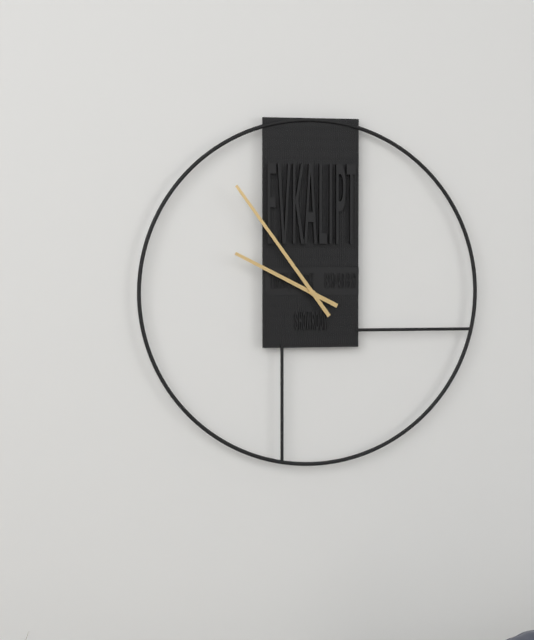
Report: h=9 m=54
